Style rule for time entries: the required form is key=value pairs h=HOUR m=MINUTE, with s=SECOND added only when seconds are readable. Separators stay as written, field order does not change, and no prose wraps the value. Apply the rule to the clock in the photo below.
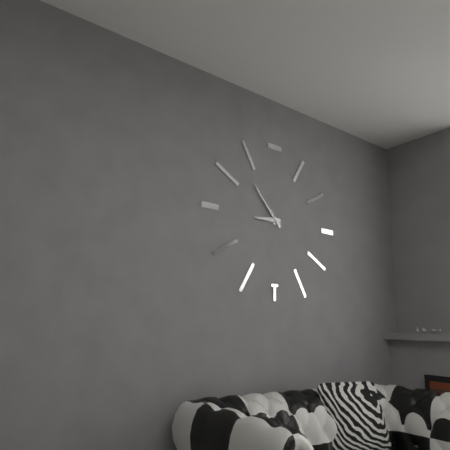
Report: h=8 m=53
